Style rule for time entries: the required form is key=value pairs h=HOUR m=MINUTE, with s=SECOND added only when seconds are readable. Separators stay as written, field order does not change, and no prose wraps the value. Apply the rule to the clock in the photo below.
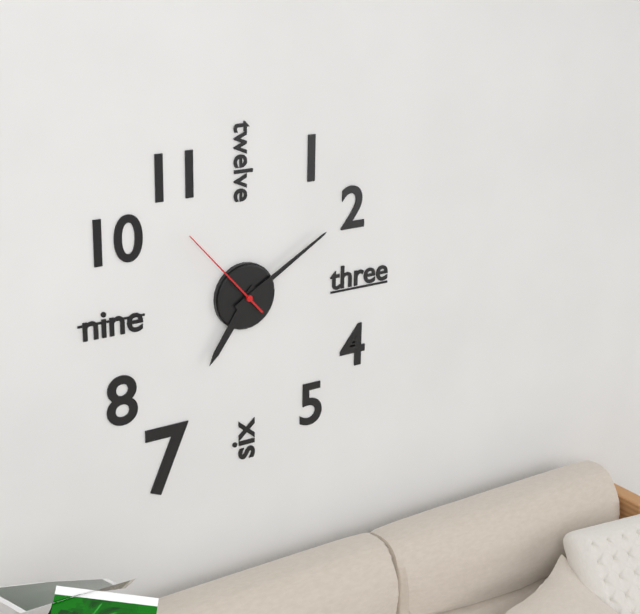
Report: h=7 m=10 s=53
